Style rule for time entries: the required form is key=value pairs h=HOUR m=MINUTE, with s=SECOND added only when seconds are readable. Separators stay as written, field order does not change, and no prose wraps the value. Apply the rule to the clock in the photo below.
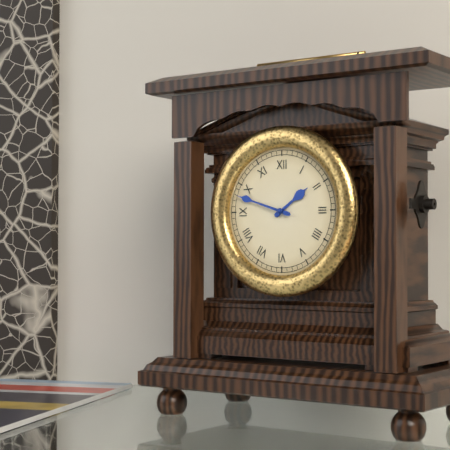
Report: h=1 m=48
